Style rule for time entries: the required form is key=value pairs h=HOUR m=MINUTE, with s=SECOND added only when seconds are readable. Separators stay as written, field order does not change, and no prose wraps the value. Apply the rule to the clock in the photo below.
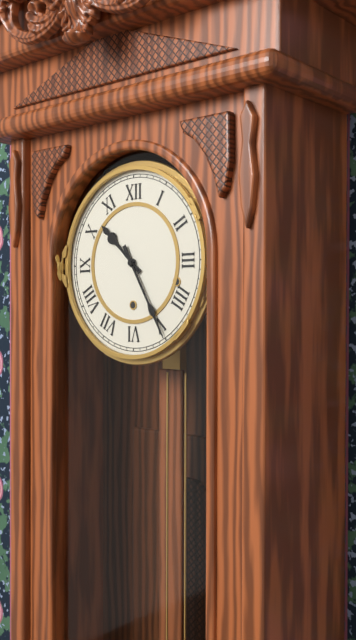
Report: h=10 m=25
